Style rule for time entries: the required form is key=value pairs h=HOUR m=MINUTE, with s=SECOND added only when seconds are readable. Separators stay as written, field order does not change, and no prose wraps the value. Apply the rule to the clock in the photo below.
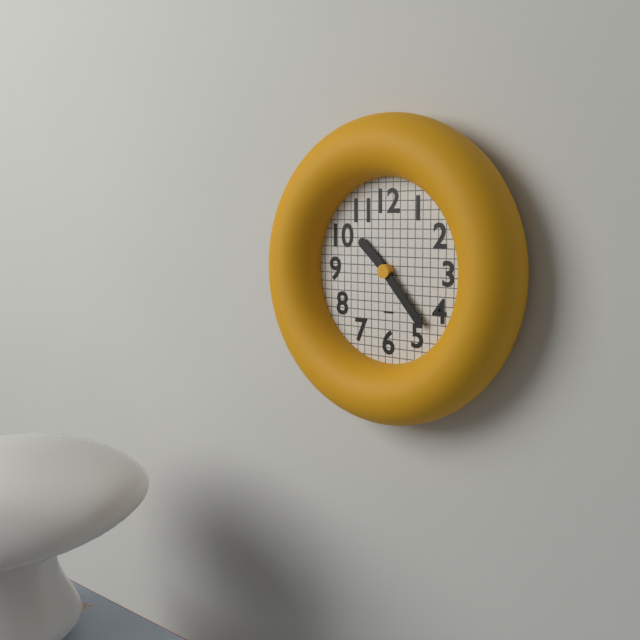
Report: h=10 m=23
